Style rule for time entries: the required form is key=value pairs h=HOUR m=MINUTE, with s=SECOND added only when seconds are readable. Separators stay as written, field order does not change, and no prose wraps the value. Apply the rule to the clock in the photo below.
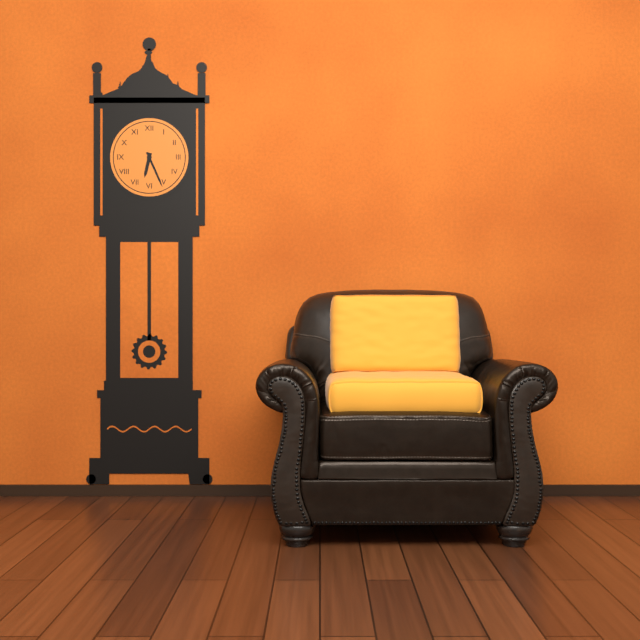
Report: h=6 m=26
